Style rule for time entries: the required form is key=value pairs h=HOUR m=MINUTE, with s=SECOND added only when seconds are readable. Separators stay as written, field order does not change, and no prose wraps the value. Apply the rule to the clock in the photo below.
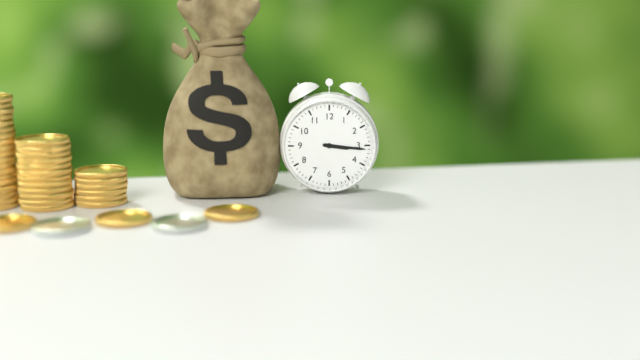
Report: h=3 m=16
